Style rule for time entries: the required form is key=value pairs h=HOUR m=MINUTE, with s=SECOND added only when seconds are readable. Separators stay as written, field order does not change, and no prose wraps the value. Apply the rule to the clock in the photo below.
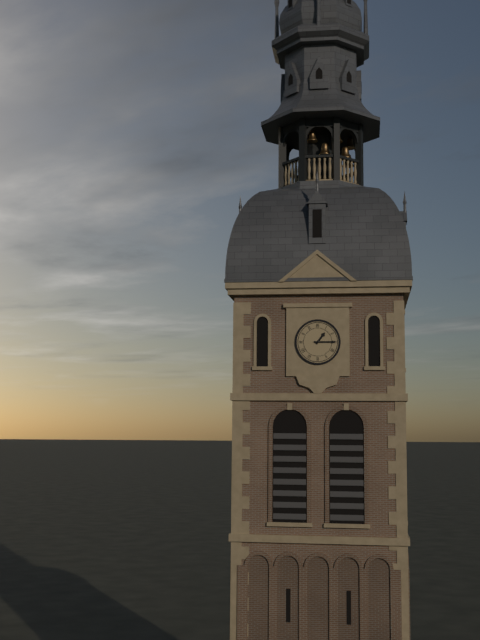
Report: h=1 m=15
